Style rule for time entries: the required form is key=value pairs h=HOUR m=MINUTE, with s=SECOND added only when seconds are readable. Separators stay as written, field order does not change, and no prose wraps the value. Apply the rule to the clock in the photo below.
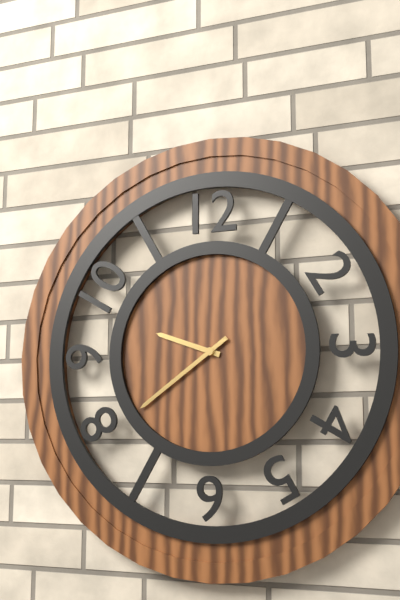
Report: h=9 m=39
